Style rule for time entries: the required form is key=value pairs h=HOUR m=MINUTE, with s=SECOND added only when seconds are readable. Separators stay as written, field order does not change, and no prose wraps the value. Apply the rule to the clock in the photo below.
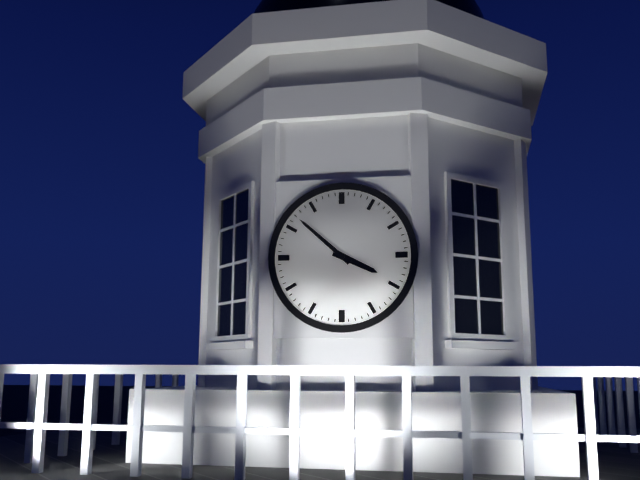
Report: h=3 m=52
